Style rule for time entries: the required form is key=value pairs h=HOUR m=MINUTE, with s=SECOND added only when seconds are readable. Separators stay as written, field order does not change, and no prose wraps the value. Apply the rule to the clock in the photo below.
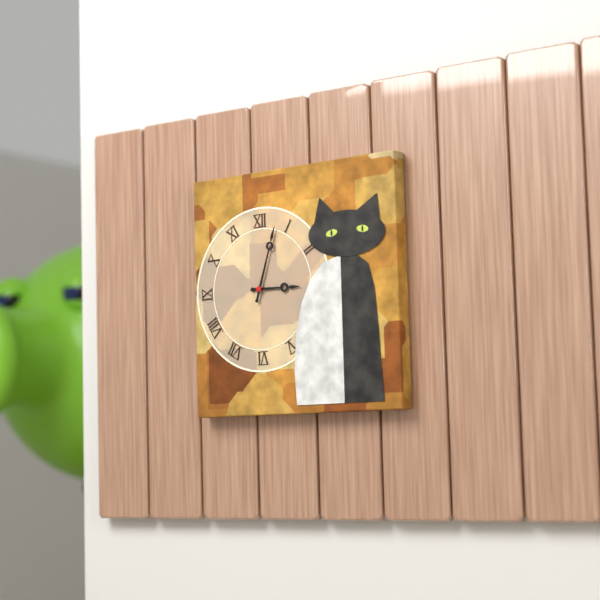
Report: h=3 m=3
